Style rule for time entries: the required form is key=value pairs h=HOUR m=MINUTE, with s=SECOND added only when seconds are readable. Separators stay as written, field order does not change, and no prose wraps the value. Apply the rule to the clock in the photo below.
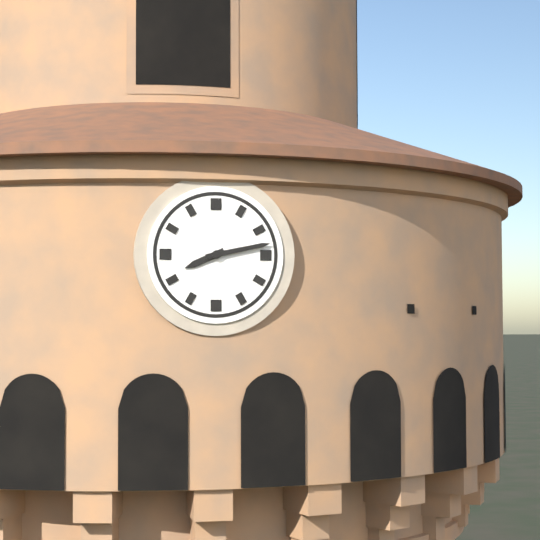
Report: h=8 m=13
